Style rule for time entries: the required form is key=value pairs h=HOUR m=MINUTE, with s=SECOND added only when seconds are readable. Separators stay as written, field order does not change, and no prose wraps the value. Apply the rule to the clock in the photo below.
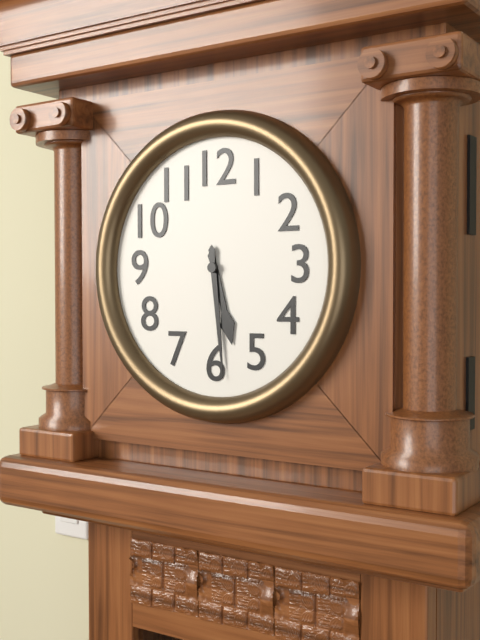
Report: h=5 m=29
